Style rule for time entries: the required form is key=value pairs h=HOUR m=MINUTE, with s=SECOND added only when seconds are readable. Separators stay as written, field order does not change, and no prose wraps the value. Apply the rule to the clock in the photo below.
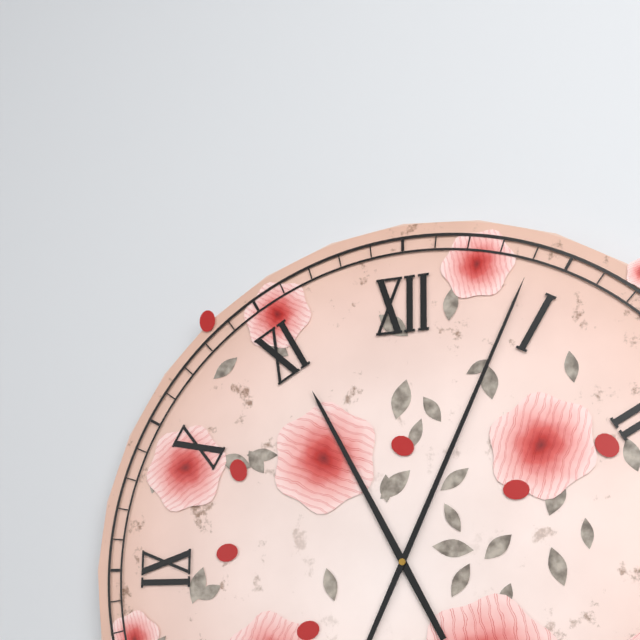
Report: h=11 m=4
